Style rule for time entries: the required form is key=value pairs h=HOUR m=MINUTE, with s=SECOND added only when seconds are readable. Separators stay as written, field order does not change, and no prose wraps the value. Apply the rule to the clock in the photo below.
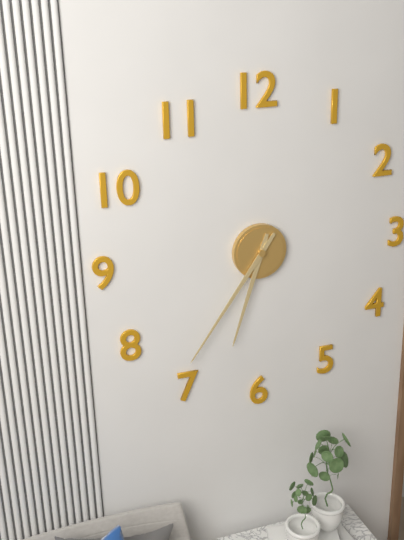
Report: h=6 m=36
